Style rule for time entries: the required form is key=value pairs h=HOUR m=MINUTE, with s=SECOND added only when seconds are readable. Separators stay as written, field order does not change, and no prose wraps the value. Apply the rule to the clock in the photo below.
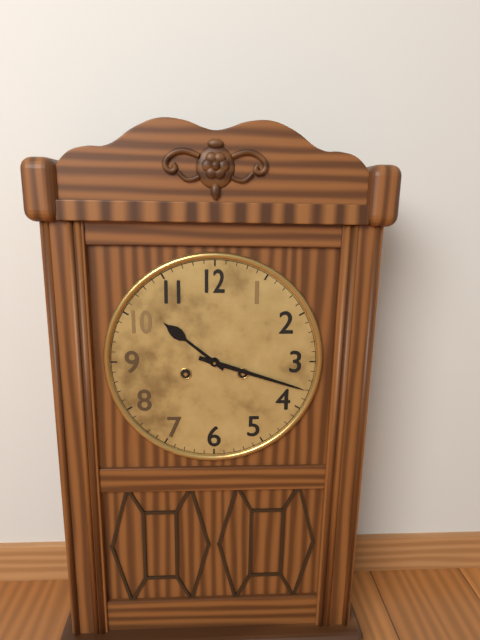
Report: h=10 m=18
